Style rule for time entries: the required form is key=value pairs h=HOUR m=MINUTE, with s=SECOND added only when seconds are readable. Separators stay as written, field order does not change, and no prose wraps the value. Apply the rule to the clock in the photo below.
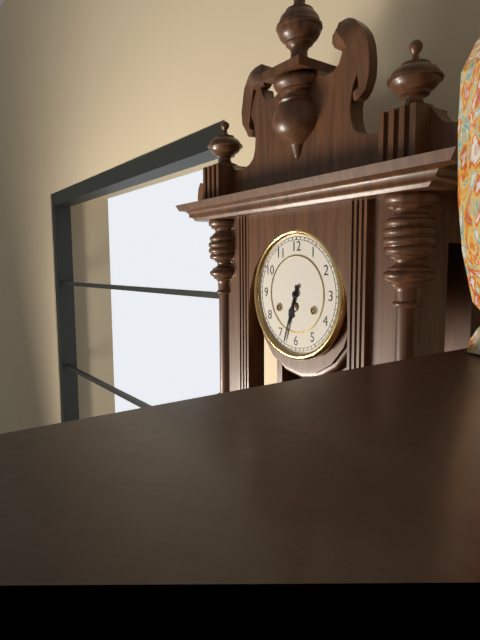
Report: h=6 m=33
